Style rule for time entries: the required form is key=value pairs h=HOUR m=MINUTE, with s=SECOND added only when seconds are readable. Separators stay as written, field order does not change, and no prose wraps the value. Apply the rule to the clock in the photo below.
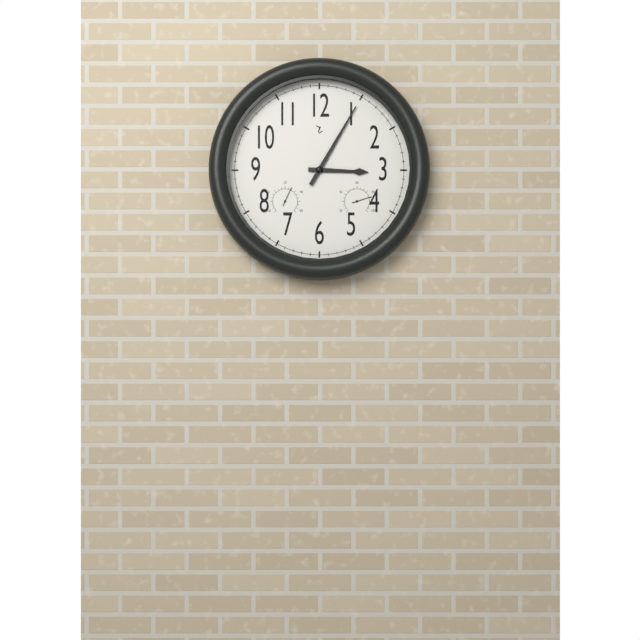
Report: h=3 m=5
